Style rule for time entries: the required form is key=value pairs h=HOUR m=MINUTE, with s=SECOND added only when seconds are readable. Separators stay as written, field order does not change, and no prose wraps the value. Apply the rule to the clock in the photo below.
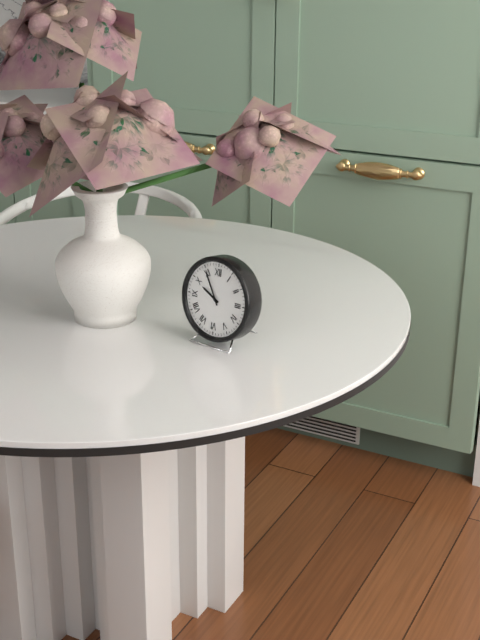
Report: h=9 m=55
